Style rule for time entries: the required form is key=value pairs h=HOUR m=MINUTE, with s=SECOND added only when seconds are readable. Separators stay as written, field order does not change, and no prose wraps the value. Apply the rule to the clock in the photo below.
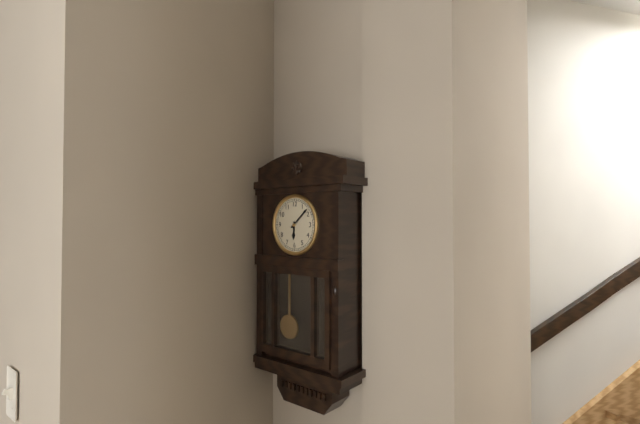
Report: h=6 m=8
